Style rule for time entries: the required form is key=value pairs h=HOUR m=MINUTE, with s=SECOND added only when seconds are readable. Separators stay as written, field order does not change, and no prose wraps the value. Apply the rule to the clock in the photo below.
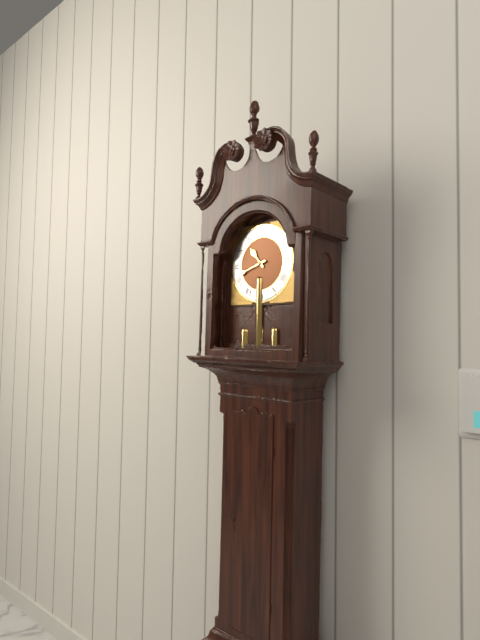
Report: h=10 m=42
